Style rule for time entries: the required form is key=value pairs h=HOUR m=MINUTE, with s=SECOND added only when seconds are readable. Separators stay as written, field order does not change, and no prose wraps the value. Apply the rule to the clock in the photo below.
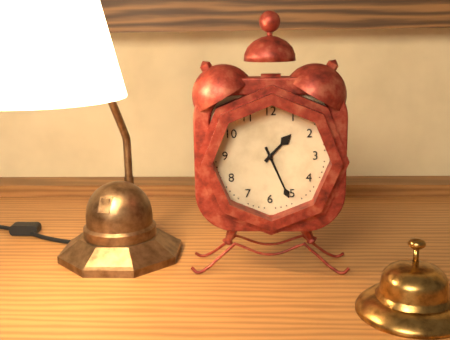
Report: h=1 m=26
